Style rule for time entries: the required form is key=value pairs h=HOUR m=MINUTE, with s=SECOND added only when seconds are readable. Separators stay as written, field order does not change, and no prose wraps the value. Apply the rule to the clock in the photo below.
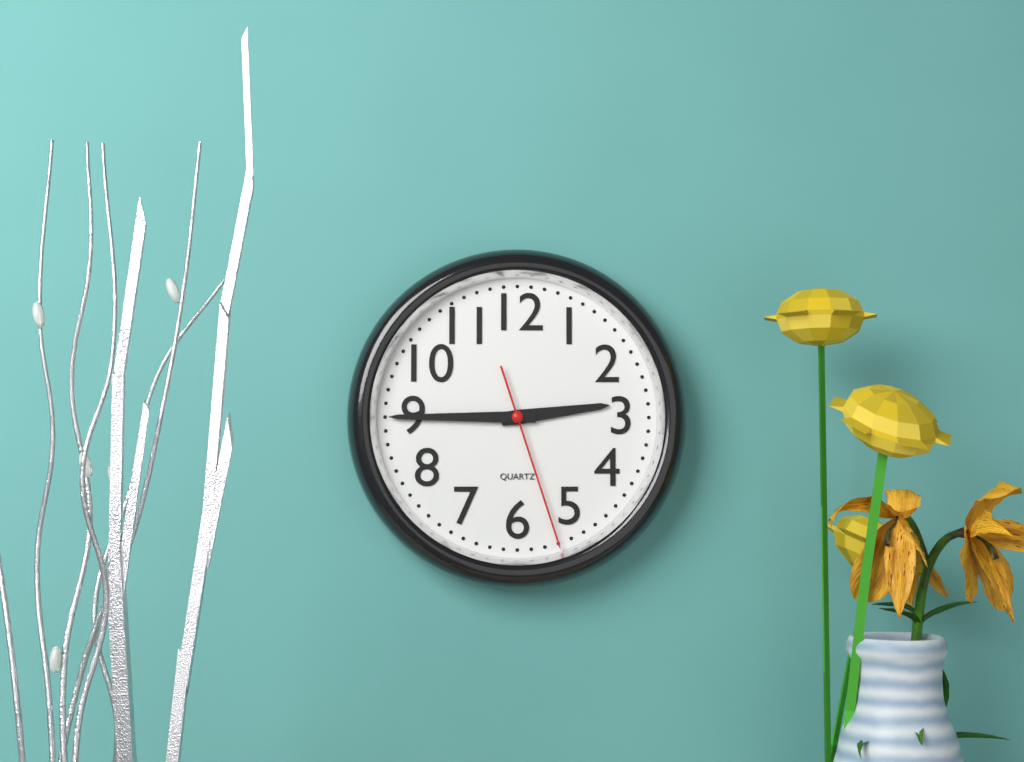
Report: h=2 m=45 s=27
